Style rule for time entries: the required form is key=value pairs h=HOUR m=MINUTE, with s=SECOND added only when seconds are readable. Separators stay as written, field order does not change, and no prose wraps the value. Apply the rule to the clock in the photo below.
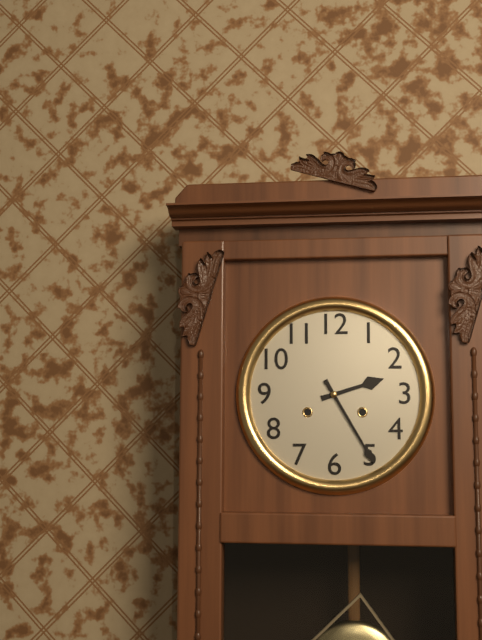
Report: h=2 m=25
